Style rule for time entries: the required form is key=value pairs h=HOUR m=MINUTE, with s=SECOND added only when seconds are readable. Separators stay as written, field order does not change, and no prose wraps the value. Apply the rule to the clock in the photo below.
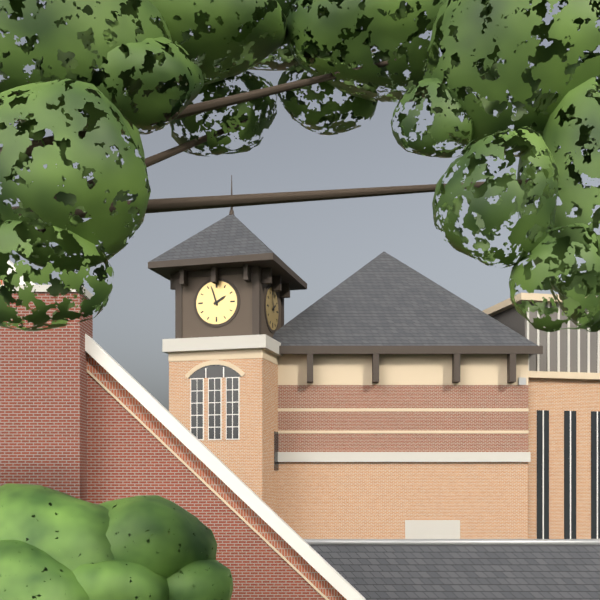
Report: h=1 m=57
